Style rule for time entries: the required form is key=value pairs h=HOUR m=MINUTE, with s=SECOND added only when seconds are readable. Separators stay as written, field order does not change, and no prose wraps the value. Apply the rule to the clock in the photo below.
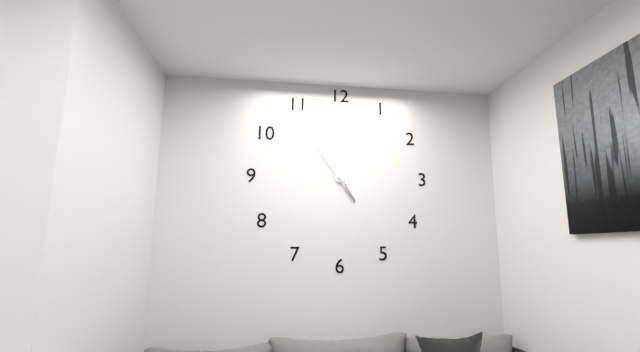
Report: h=4 m=54
